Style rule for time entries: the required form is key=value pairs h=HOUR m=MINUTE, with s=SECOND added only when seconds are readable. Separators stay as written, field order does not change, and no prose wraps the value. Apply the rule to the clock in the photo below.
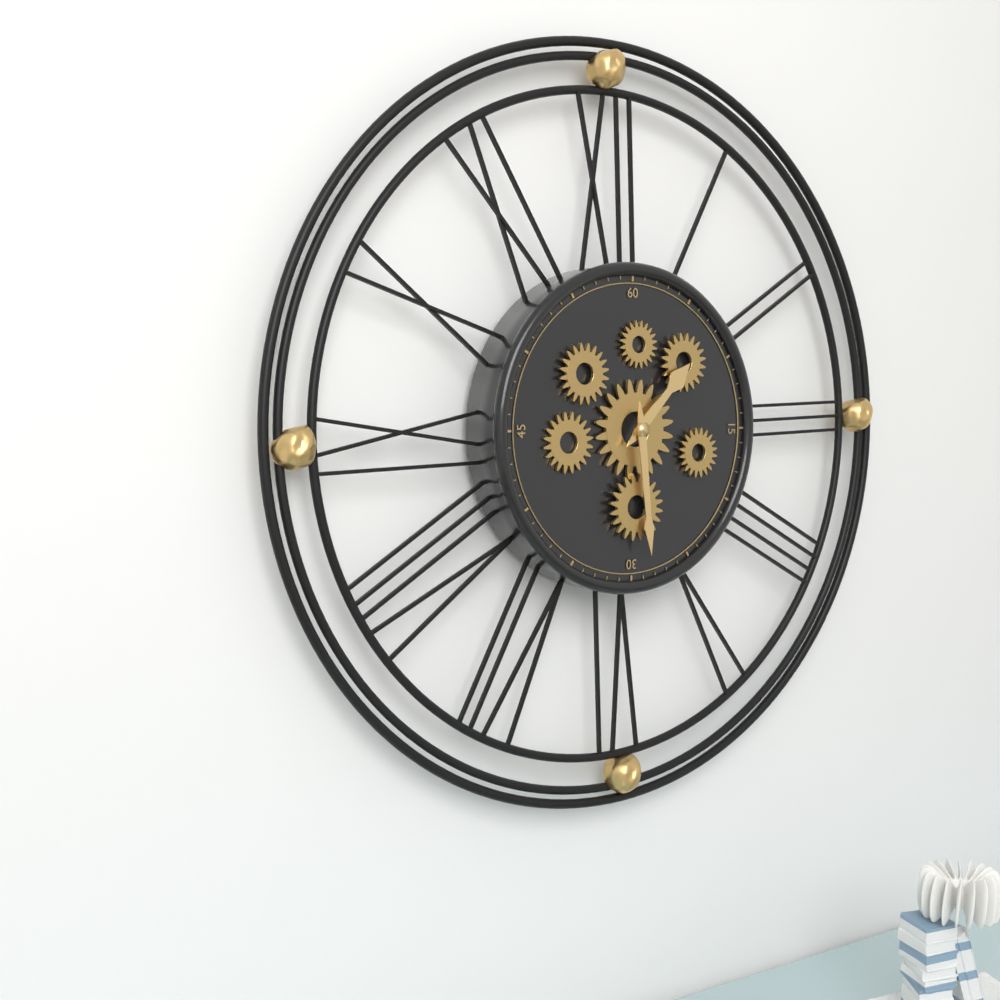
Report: h=1 m=29
